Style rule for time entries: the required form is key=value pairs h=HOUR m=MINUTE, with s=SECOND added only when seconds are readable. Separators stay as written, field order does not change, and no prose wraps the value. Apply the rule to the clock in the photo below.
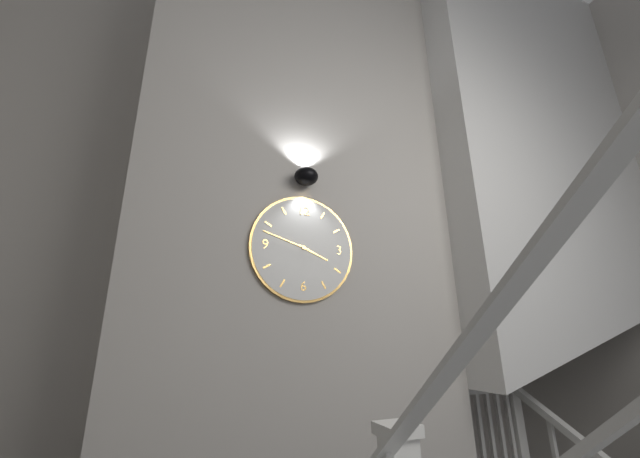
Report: h=3 m=48
